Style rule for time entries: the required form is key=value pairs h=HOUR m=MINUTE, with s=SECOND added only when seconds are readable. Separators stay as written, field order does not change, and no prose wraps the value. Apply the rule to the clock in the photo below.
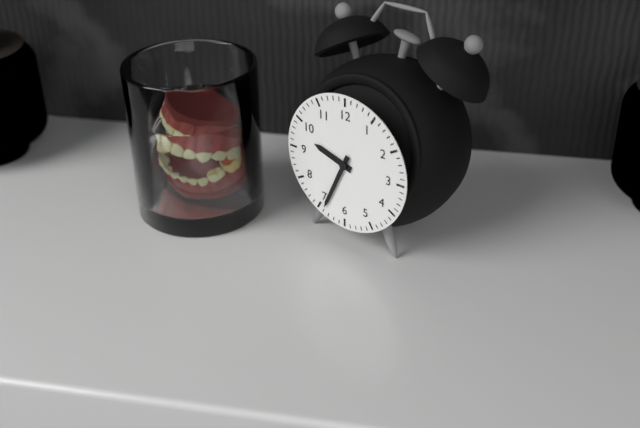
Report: h=9 m=34
